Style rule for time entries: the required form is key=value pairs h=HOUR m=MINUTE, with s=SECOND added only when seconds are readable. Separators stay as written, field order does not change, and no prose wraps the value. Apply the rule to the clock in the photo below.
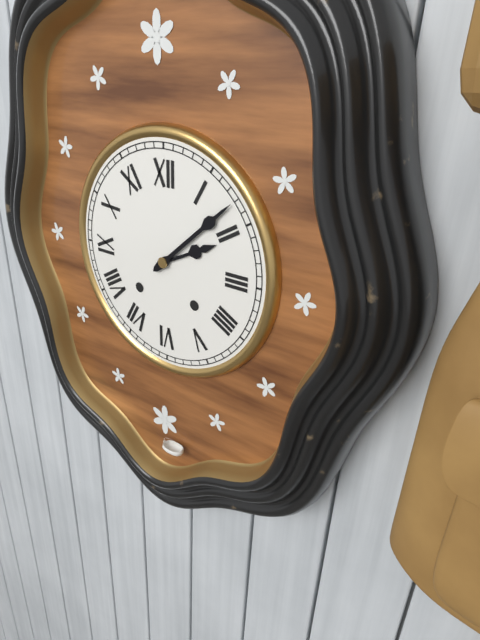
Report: h=2 m=8
